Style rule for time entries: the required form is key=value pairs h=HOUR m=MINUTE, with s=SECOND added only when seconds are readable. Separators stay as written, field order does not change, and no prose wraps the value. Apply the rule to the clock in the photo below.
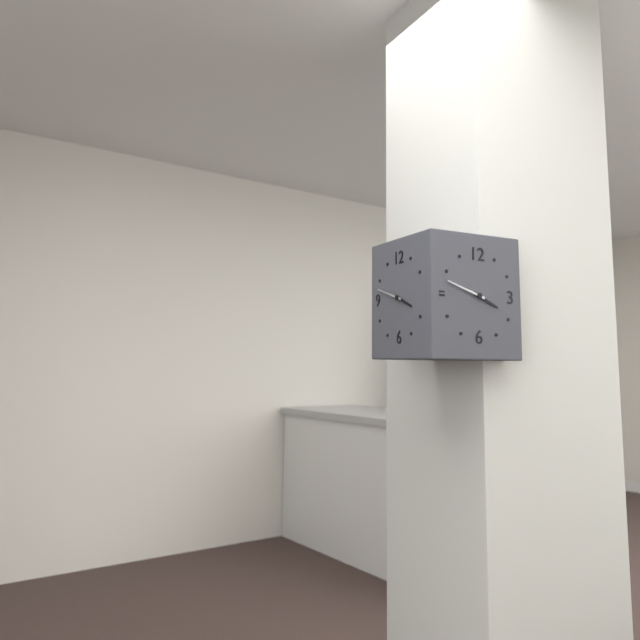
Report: h=3 m=48
